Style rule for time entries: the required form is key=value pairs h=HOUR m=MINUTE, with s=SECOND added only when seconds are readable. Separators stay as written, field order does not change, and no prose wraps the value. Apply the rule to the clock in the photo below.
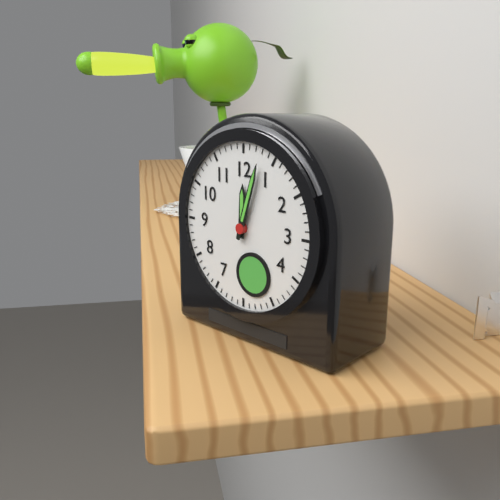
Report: h=12 m=3
